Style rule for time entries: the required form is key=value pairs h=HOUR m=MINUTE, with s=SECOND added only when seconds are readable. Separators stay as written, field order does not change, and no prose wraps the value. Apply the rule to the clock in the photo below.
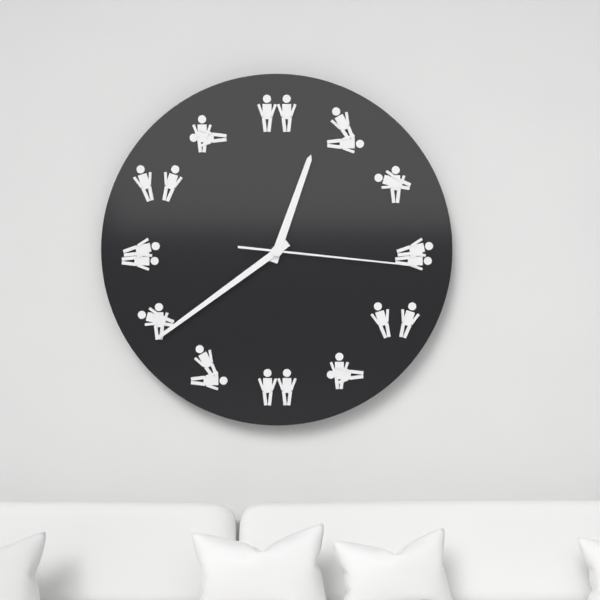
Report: h=12 m=39 s=16
